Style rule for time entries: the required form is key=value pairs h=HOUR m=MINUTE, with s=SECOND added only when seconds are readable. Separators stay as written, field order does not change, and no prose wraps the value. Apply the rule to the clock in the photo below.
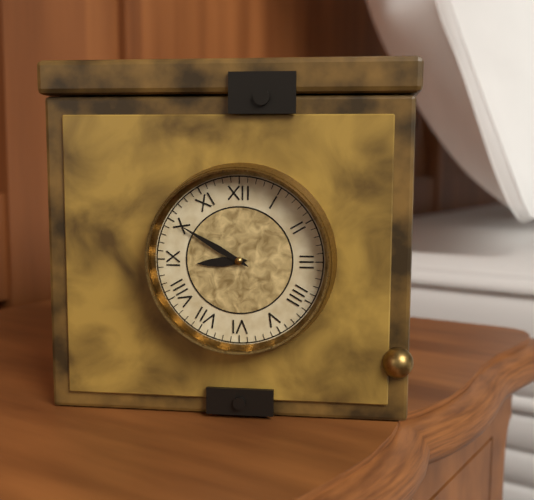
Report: h=8 m=50
